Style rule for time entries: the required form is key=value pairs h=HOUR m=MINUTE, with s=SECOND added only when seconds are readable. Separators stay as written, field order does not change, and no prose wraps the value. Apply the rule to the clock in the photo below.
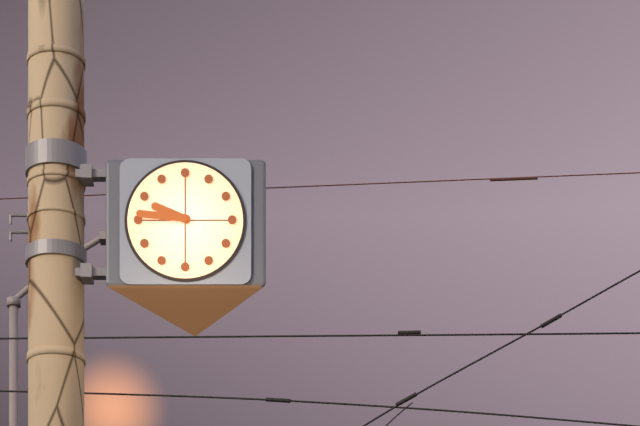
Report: h=9 m=46
